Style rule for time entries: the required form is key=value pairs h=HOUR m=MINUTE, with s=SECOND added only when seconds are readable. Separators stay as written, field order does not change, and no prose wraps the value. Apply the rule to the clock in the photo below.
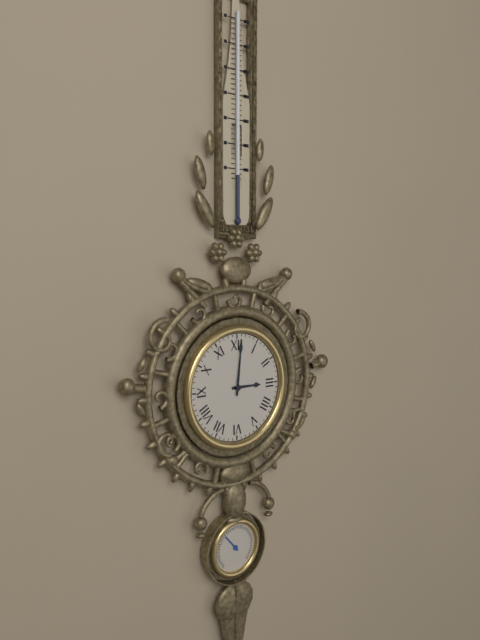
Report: h=3 m=1
